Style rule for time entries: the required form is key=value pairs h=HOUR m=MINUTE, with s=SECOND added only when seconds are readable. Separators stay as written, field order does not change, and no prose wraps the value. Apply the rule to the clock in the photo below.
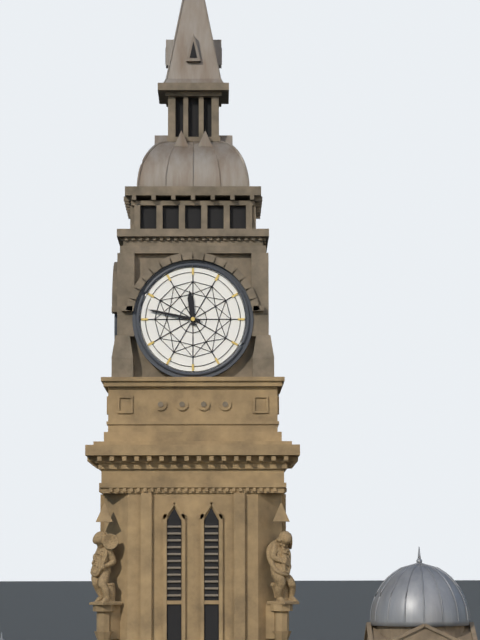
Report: h=11 m=47
